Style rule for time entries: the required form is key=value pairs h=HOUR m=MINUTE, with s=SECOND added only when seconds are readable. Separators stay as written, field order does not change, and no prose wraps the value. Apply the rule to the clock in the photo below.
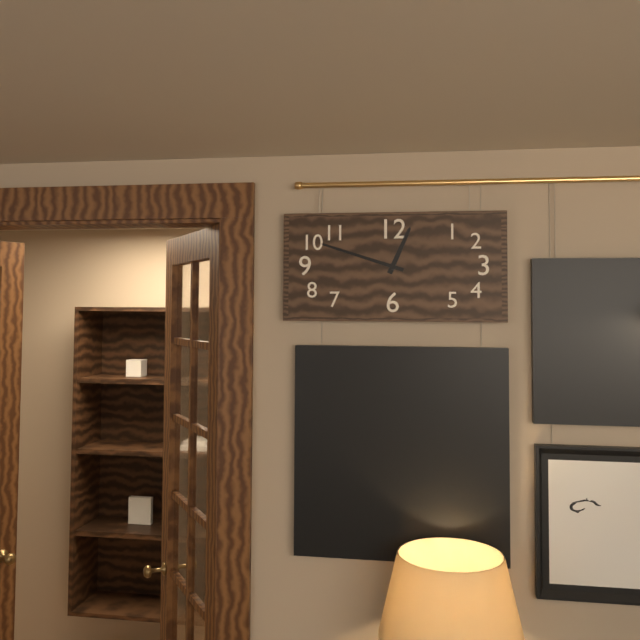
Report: h=12 m=48
